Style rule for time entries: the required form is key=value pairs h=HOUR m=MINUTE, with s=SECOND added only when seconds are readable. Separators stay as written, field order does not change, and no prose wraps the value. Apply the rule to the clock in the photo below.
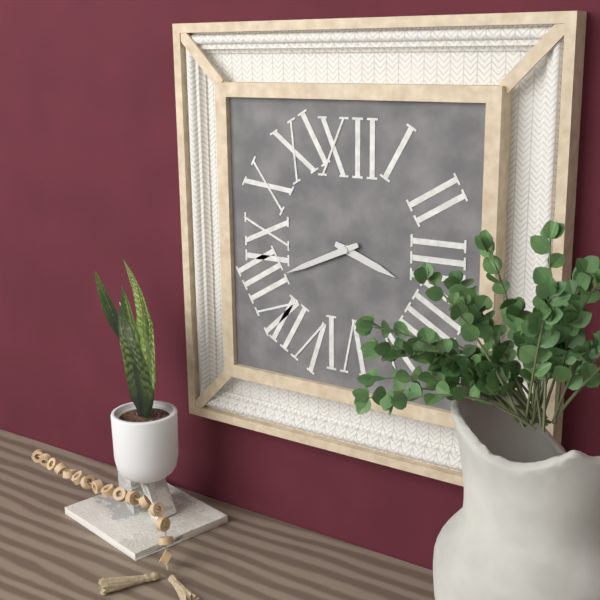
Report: h=3 m=41
